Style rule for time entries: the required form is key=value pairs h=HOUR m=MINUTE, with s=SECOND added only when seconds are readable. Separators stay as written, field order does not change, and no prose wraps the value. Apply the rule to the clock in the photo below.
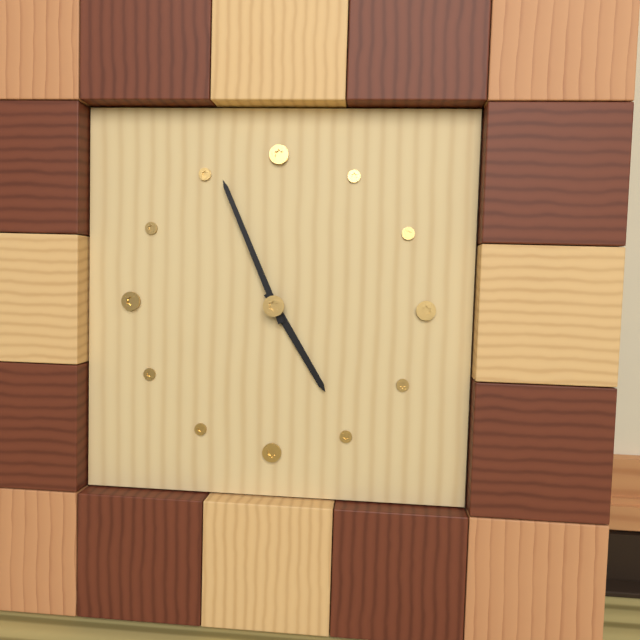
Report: h=4 m=56
